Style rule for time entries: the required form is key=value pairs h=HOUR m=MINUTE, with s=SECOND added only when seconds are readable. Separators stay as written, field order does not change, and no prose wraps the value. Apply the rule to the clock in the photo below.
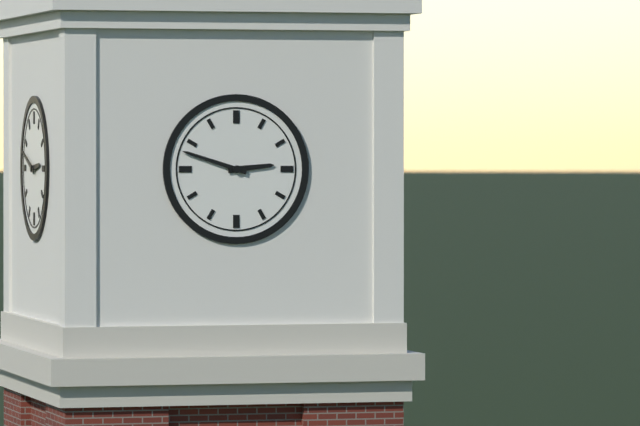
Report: h=2 m=48
